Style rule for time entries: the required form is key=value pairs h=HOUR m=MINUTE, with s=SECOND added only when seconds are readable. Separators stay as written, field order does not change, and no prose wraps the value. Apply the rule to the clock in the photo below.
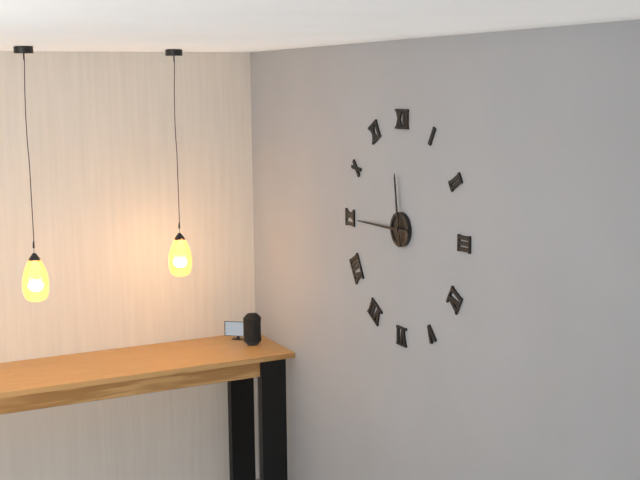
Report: h=11 m=45
